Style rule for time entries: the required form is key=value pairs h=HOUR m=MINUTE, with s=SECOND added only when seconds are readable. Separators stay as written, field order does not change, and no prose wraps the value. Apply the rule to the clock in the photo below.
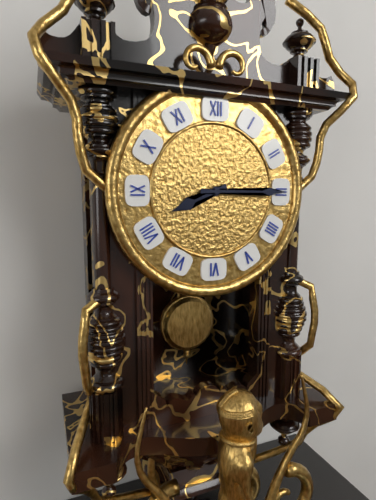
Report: h=8 m=15
